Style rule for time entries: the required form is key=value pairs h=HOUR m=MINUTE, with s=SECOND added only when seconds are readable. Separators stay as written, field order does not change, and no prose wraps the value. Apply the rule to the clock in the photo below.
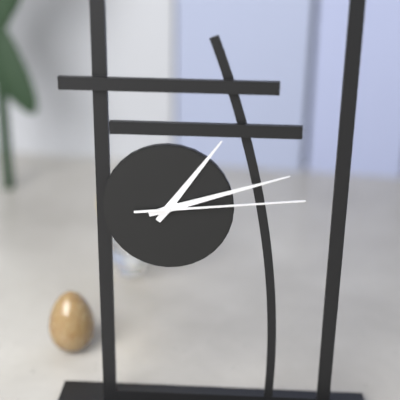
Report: h=1 m=12 s=14
